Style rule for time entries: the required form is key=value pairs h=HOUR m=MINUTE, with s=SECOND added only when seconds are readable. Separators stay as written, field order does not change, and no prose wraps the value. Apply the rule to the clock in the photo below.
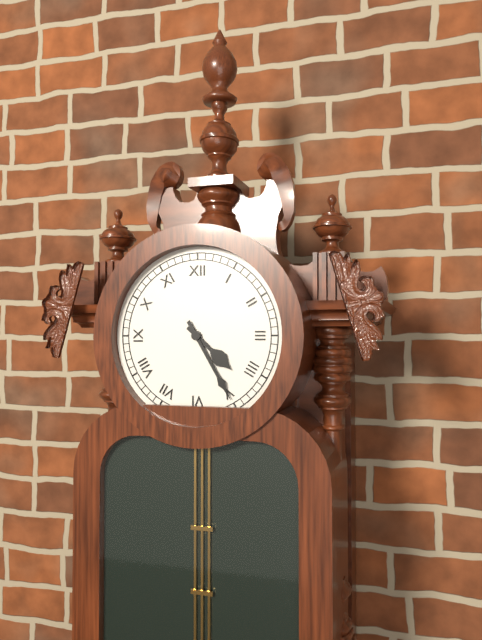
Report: h=4 m=25
